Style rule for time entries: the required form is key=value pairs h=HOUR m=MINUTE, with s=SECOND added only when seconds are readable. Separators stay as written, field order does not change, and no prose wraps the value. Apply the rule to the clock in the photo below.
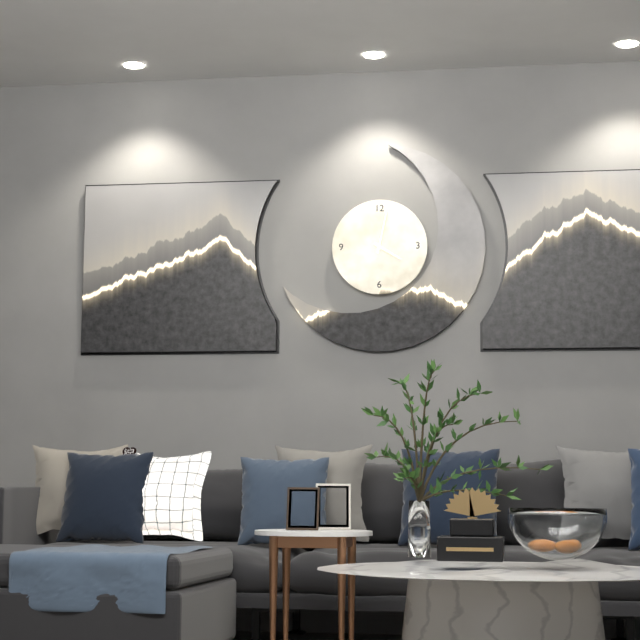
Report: h=4 m=2
